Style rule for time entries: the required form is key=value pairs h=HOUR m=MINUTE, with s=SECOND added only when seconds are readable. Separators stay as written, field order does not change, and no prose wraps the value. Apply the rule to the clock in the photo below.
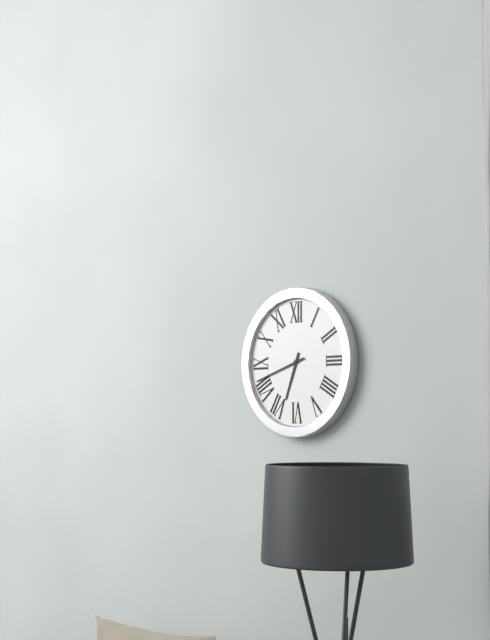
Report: h=6 m=42
